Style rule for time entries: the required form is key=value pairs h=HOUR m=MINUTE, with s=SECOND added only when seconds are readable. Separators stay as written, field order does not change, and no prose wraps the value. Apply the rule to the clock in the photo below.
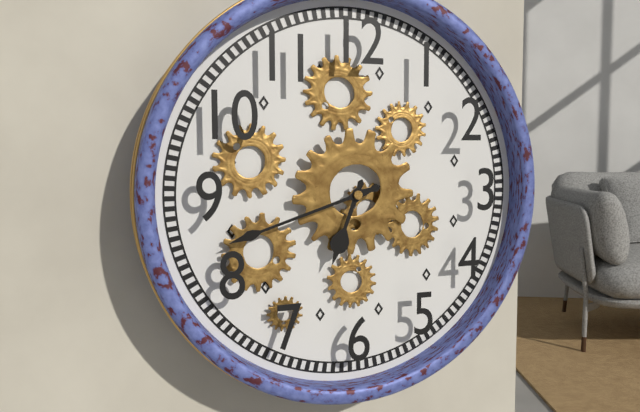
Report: h=6 m=42
